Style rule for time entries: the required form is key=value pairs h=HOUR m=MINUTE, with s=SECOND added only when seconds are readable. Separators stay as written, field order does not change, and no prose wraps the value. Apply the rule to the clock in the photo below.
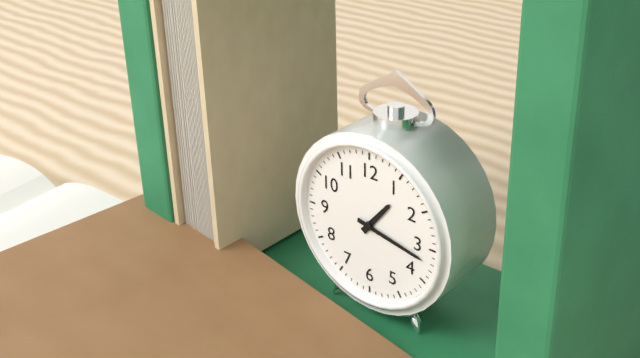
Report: h=1 m=17
